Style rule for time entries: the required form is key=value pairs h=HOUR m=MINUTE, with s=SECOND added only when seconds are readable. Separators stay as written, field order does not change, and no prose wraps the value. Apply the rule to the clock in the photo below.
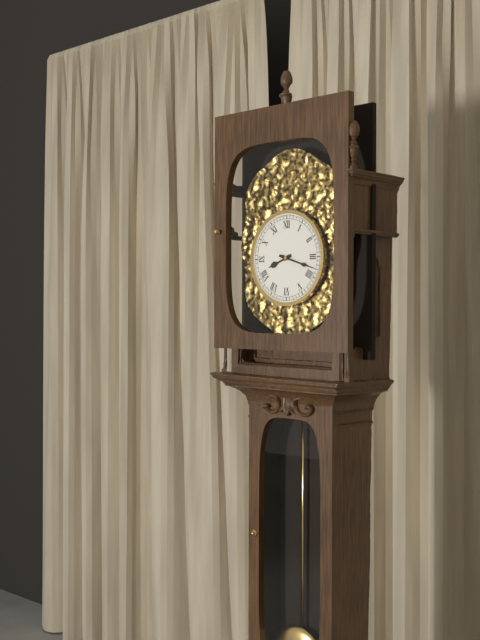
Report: h=8 m=18
